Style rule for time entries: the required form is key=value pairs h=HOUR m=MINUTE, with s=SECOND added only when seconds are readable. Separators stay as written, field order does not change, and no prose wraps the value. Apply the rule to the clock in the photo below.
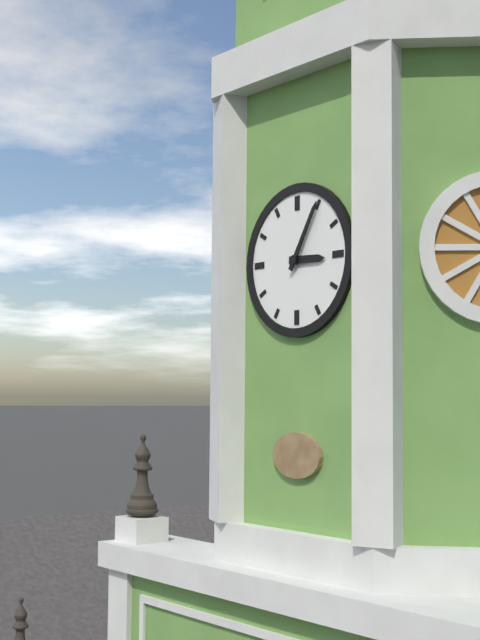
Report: h=3 m=5
